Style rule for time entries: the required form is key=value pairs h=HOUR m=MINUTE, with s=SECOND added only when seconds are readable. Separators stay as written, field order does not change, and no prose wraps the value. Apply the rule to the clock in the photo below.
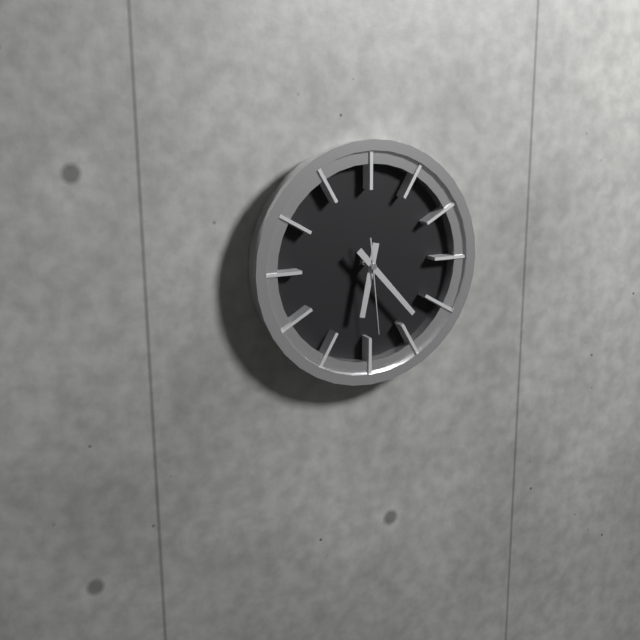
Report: h=6 m=23 s=29
